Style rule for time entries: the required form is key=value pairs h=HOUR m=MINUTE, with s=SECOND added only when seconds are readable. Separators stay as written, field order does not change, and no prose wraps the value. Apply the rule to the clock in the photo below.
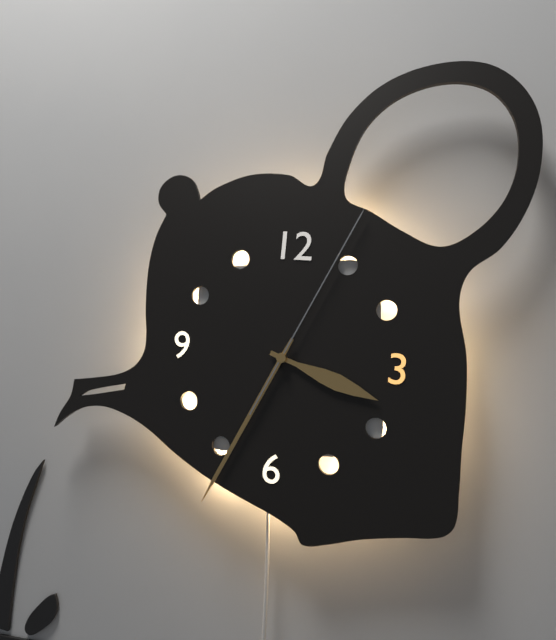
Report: h=3 m=34 s=4
